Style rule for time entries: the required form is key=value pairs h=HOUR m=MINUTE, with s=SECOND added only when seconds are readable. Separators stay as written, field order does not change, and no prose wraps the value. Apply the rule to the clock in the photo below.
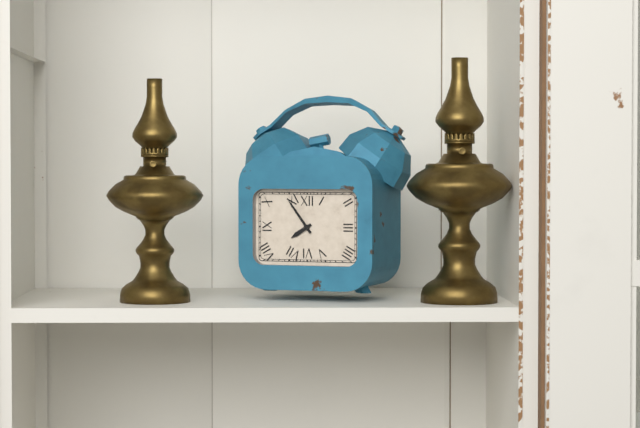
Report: h=7 m=54
